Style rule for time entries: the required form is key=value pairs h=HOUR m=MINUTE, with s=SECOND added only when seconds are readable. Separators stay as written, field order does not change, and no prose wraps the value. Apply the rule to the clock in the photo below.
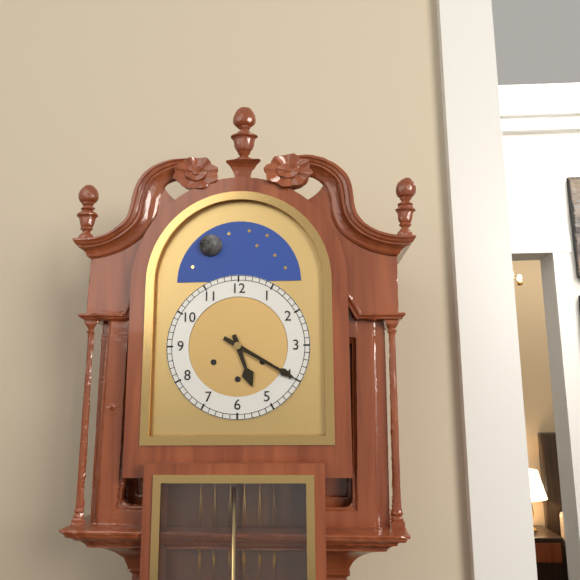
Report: h=5 m=20
